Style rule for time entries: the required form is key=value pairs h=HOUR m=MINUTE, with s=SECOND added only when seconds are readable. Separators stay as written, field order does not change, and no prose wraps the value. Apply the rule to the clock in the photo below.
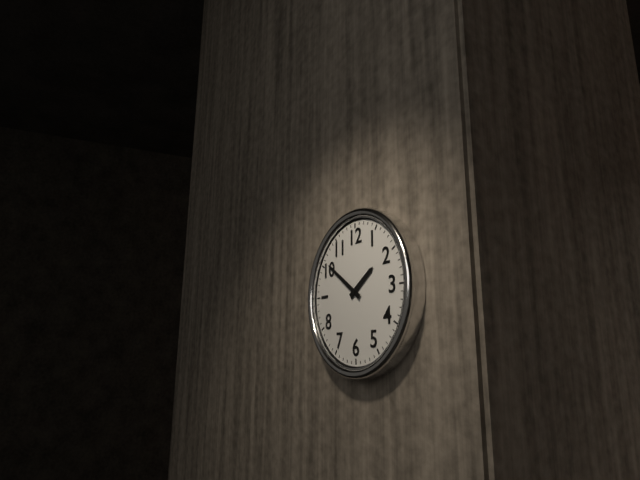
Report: h=1 m=51
